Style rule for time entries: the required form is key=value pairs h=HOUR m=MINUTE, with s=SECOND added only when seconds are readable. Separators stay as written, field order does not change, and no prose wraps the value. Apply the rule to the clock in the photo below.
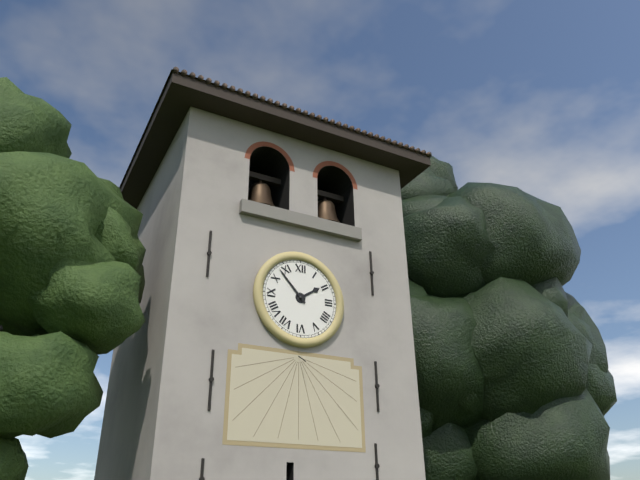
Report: h=1 m=53
